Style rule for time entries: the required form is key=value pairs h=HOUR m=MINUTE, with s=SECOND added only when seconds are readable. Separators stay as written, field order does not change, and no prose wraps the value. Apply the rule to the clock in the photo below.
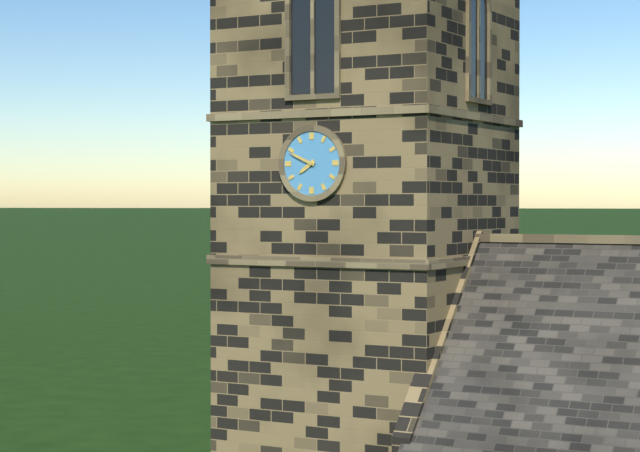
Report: h=7 m=49
